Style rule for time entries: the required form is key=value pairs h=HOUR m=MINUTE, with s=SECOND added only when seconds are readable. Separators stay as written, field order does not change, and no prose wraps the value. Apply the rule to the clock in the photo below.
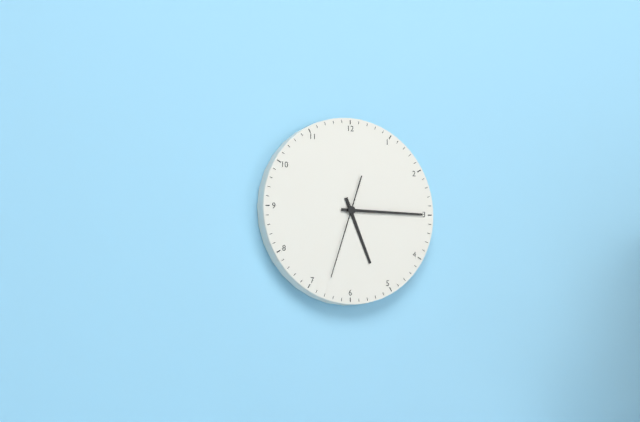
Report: h=5 m=15 s=33
